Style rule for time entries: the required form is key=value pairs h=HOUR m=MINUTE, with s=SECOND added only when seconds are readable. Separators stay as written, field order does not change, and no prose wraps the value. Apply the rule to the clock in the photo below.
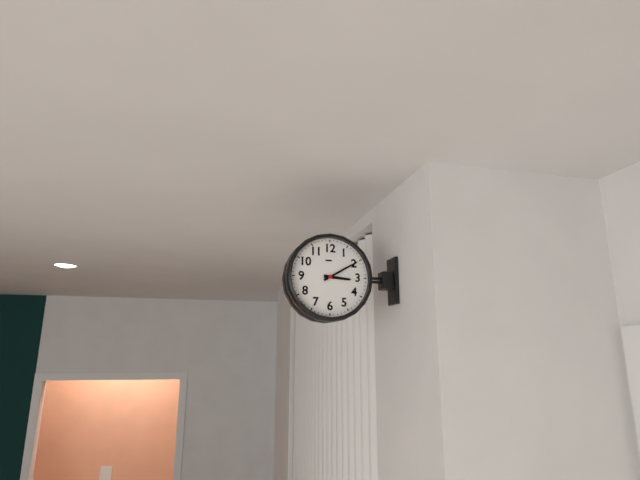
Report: h=3 m=10
